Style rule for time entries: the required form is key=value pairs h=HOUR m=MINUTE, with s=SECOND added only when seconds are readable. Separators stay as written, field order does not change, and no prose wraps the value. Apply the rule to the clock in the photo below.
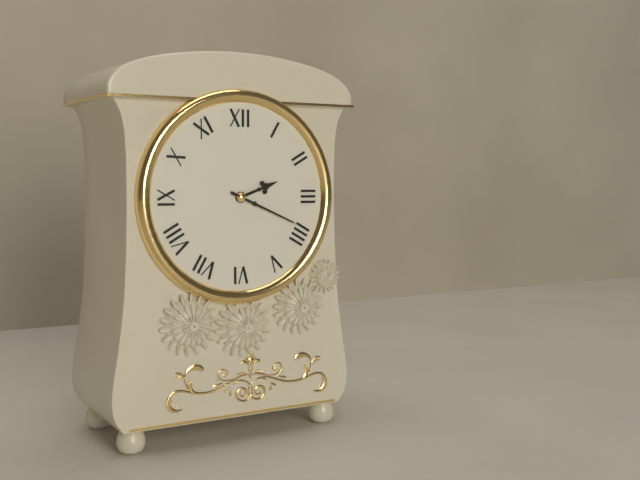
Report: h=2 m=19
